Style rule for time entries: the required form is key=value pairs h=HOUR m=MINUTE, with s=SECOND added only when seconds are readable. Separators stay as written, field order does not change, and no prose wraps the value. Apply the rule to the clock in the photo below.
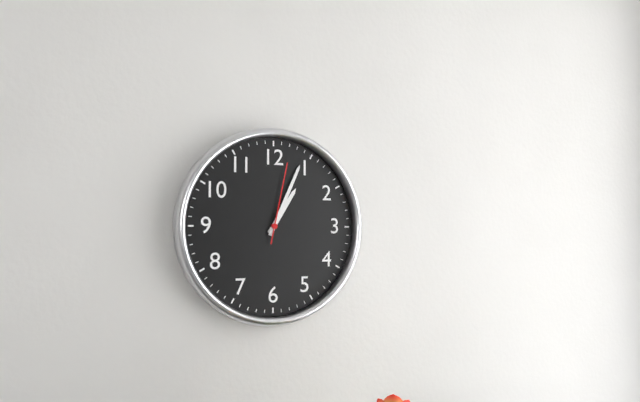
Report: h=1 m=4 s=2
